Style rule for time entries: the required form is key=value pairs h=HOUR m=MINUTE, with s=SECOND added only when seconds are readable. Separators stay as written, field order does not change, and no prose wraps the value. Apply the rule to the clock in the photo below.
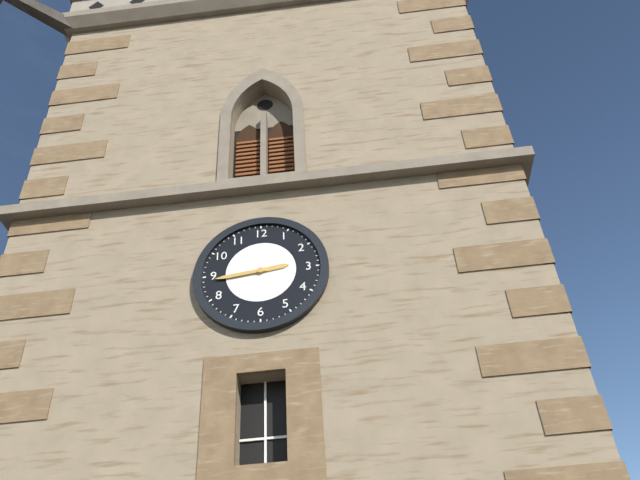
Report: h=2 m=44
